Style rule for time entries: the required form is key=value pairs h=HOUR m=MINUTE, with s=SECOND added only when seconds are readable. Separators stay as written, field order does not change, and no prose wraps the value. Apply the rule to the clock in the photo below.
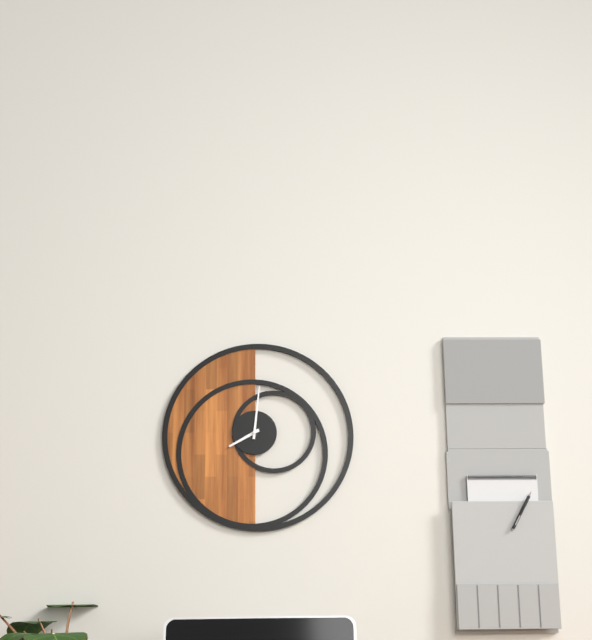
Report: h=8 m=1
